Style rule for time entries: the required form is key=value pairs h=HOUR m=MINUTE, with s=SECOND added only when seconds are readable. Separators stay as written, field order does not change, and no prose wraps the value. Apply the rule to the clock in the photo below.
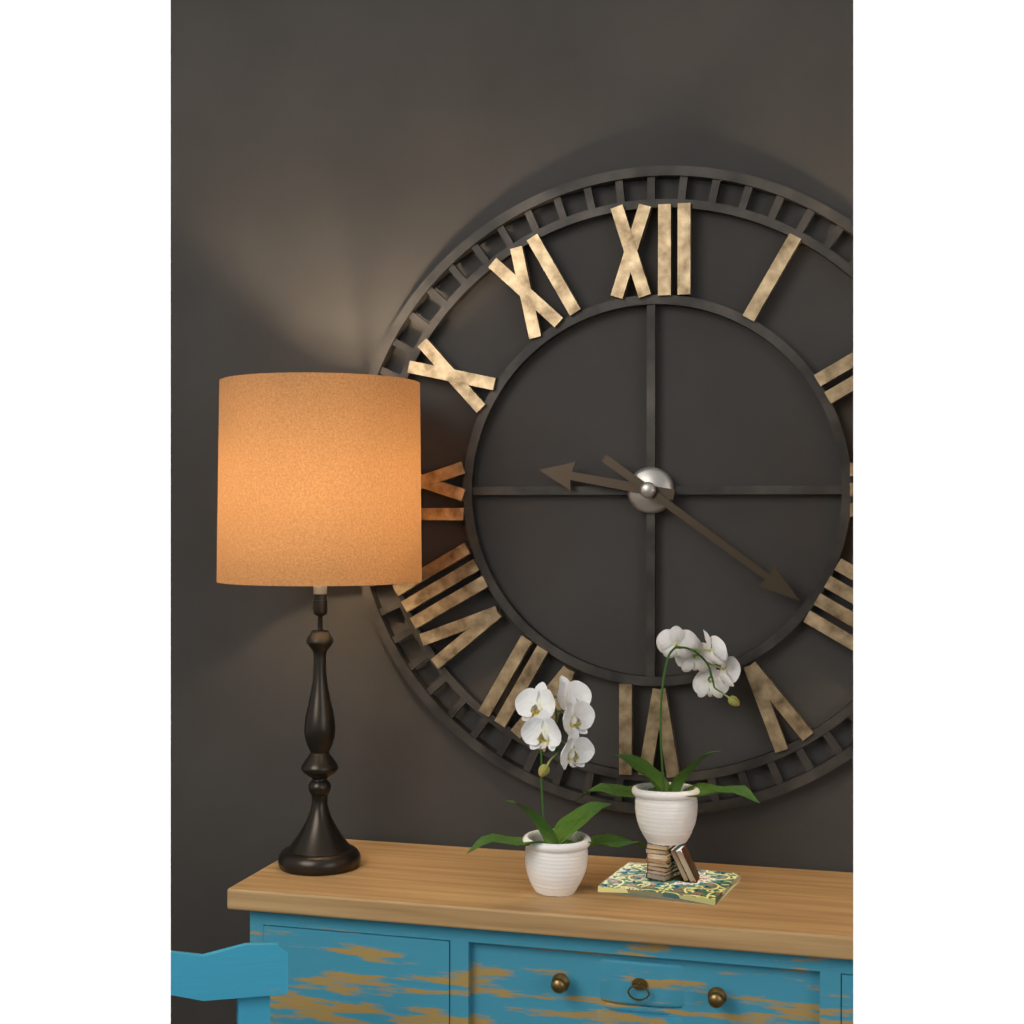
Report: h=9 m=21
